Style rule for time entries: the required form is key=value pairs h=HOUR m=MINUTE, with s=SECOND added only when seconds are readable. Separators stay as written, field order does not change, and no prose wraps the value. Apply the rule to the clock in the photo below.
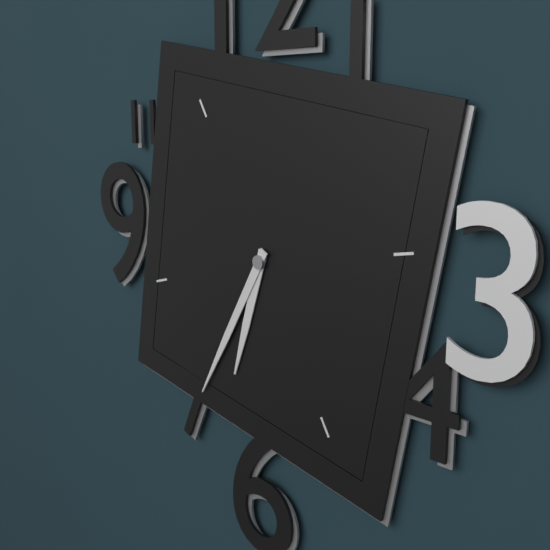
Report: h=6 m=35
